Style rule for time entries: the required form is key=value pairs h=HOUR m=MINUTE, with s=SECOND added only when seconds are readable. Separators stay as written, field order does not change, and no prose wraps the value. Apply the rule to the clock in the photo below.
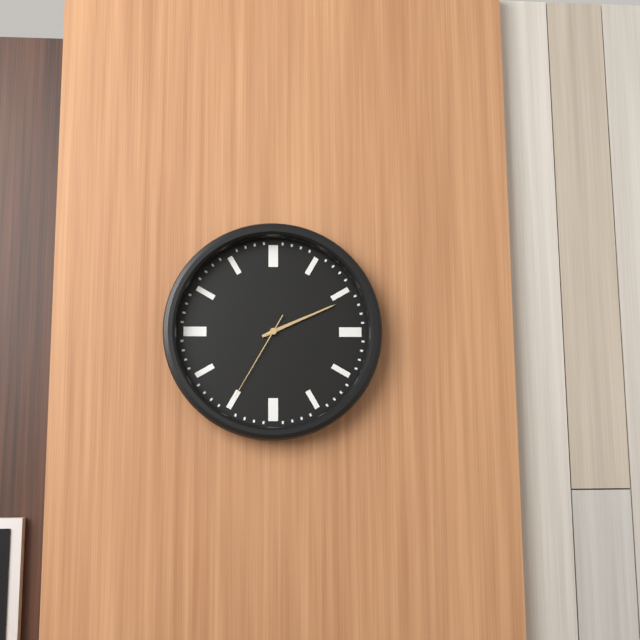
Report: h=2 m=11 s=35
